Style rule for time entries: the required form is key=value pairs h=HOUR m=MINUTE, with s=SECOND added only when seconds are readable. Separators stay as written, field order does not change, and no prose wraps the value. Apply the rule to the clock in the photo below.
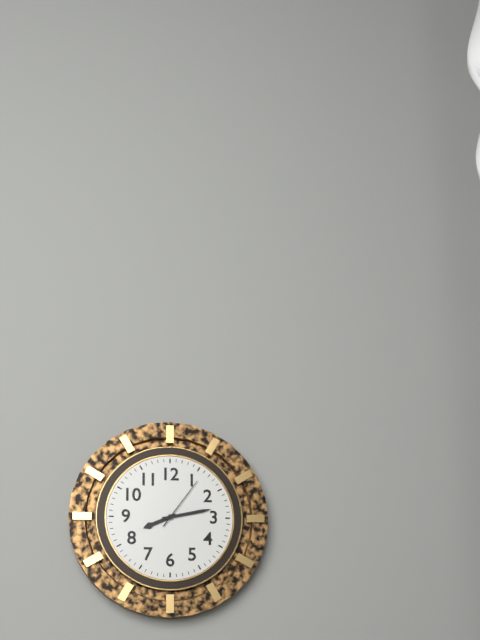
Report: h=8 m=13 s=6
